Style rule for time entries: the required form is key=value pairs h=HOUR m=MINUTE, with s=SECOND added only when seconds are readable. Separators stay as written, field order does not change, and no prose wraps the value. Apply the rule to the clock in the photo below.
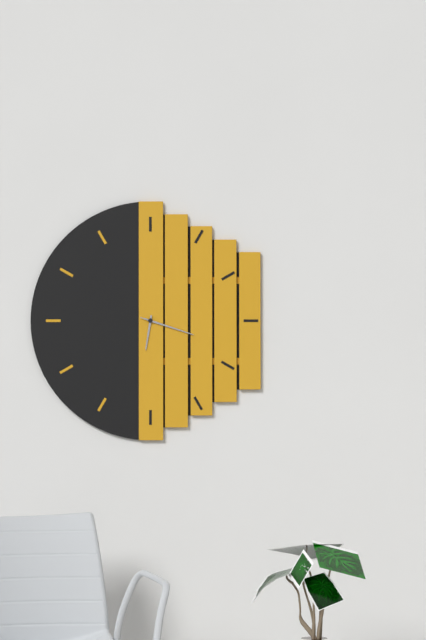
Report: h=6 m=18 s=18
